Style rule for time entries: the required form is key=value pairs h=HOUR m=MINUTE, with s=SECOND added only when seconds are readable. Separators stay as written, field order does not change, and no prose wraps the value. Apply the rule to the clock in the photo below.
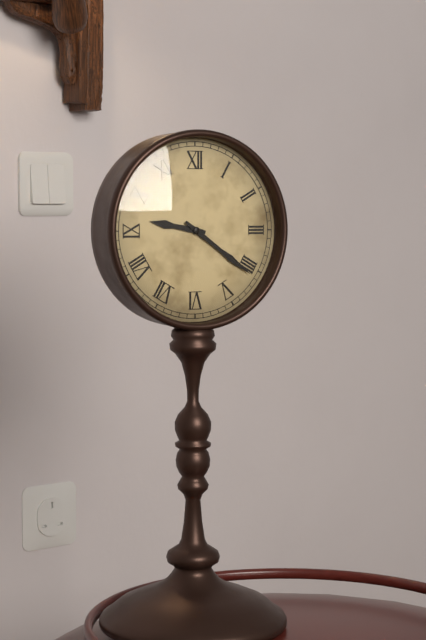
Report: h=9 m=21
